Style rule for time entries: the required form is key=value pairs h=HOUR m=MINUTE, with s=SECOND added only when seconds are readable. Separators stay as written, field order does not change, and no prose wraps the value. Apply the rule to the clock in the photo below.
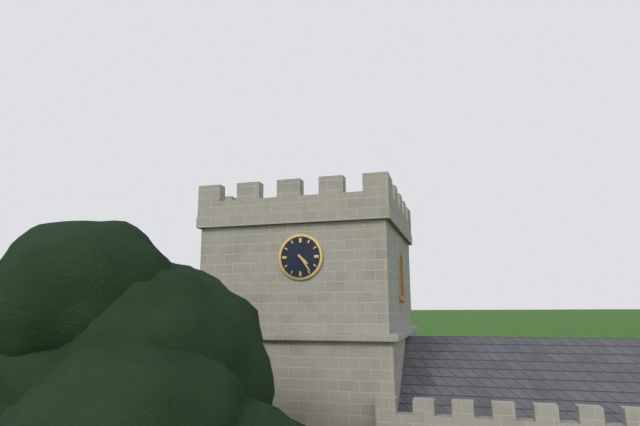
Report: h=4 m=24
